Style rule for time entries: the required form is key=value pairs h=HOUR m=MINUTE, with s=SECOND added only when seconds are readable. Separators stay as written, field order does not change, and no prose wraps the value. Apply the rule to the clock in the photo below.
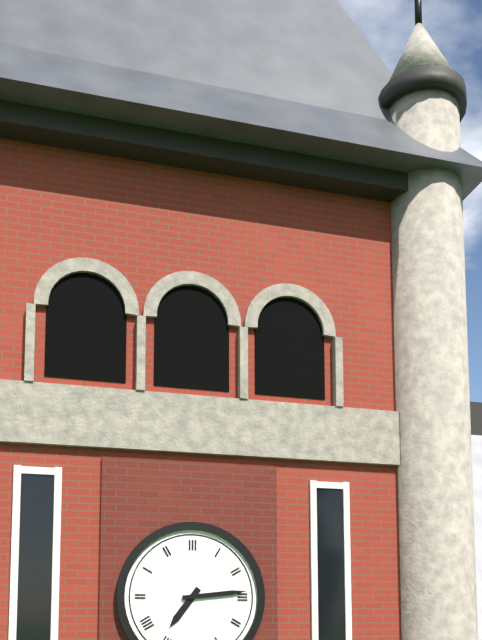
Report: h=7 m=14
